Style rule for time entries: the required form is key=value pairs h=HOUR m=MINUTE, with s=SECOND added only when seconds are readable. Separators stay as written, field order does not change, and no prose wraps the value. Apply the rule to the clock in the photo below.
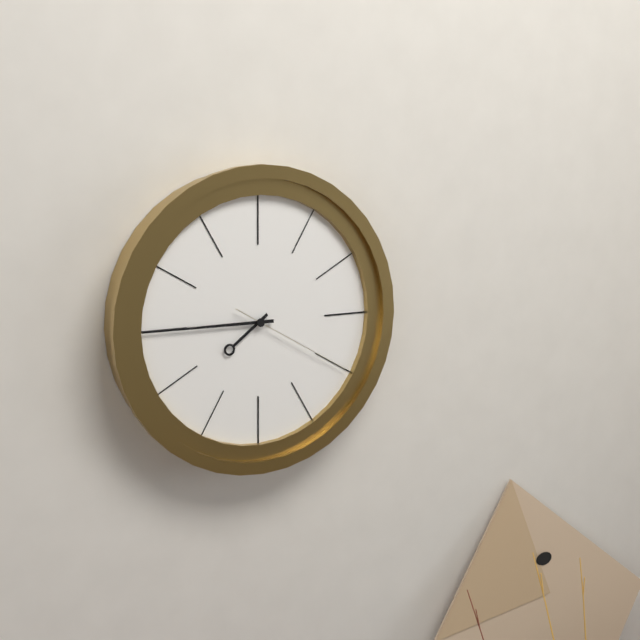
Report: h=7 m=45 s=20
